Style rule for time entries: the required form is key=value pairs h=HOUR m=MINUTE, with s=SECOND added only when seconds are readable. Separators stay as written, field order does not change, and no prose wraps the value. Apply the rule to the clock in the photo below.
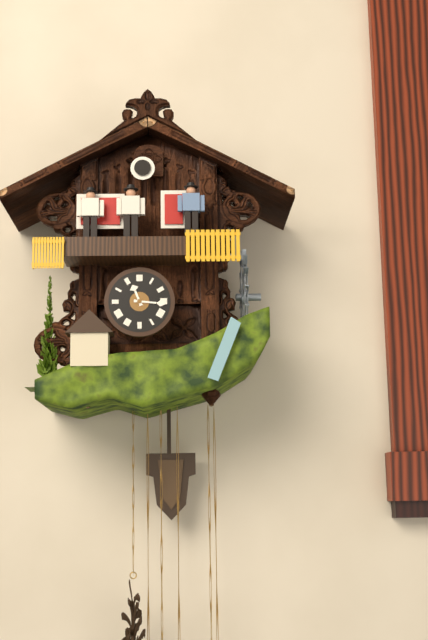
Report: h=11 m=16
